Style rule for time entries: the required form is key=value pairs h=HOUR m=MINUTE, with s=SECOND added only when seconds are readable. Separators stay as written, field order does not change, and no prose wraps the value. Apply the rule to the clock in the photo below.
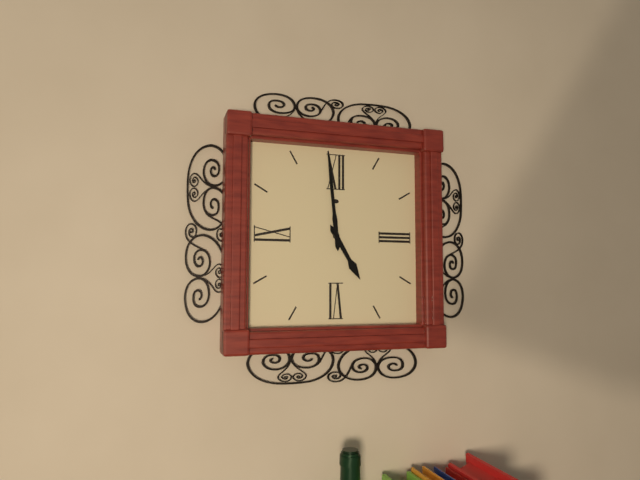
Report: h=4 m=59
